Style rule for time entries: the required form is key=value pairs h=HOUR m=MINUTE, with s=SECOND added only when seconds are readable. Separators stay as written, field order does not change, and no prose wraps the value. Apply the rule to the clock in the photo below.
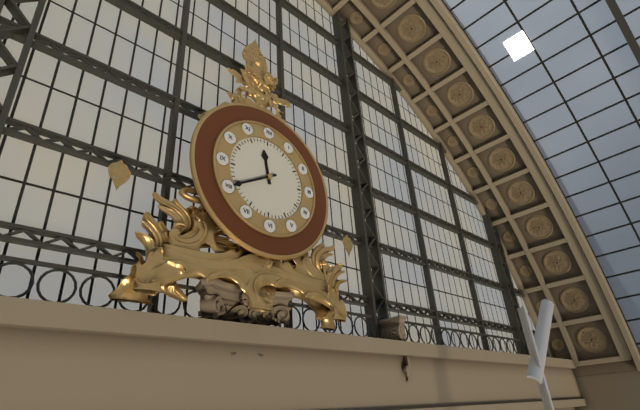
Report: h=11 m=40
